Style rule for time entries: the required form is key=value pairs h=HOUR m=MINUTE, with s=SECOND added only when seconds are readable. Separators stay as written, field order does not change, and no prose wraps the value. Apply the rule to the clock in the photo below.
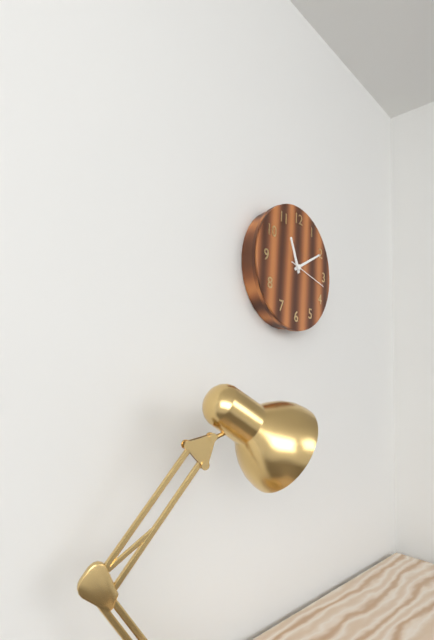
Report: h=11 m=10
